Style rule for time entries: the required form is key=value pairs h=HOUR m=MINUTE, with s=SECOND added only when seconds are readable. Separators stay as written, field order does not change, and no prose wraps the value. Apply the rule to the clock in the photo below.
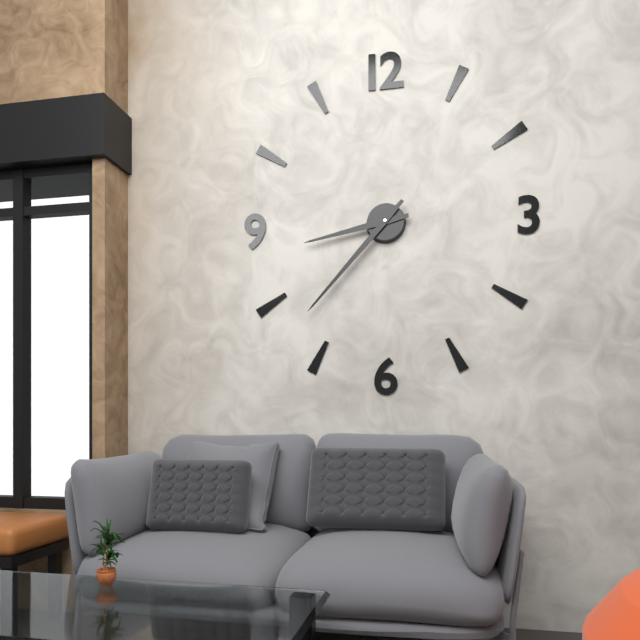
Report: h=8 m=37
